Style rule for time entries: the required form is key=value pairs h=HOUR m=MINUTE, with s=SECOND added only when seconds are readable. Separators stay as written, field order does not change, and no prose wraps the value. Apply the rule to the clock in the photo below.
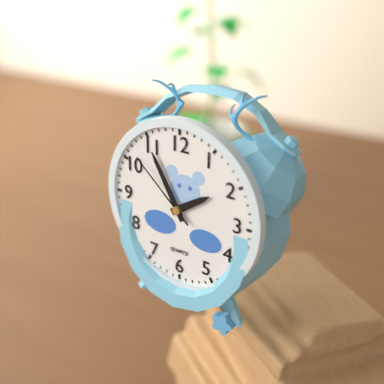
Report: h=1 m=55 s=52
